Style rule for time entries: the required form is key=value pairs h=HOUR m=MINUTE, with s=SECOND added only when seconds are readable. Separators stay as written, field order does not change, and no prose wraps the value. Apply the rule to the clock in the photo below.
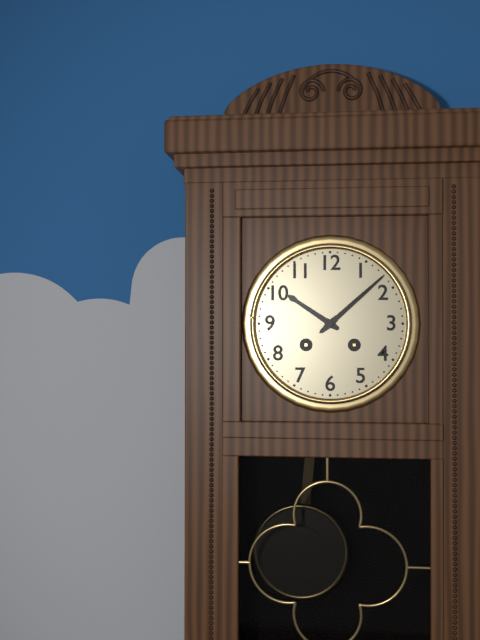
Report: h=10 m=8
